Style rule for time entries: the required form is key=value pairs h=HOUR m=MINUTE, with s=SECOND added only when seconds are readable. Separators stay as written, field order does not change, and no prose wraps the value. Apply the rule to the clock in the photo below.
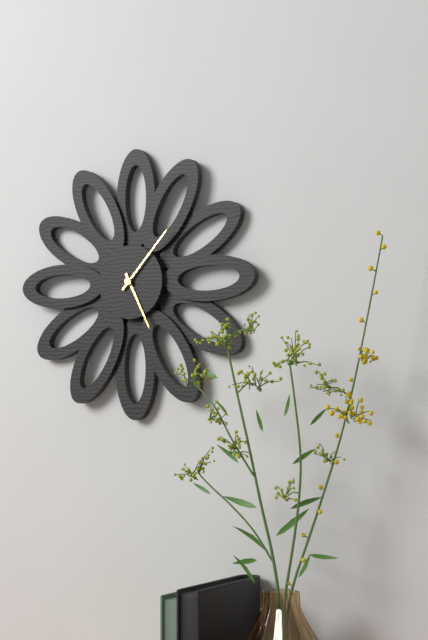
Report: h=5 m=7
